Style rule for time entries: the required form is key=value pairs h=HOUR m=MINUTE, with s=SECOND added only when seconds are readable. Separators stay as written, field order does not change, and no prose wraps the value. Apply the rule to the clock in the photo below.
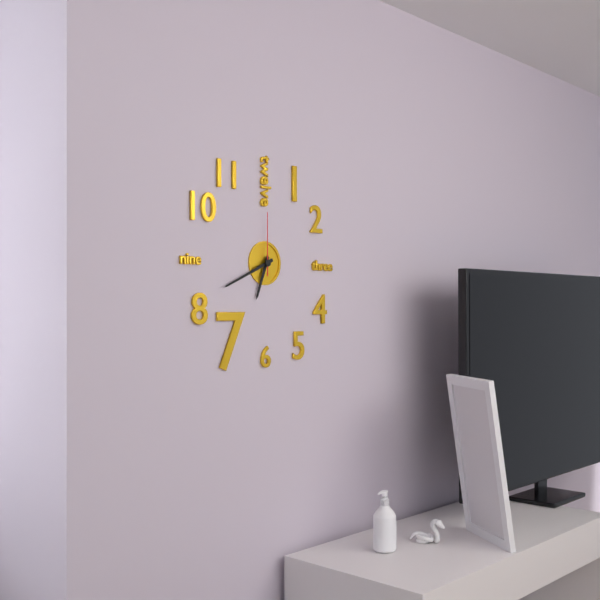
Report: h=6 m=41 s=0
